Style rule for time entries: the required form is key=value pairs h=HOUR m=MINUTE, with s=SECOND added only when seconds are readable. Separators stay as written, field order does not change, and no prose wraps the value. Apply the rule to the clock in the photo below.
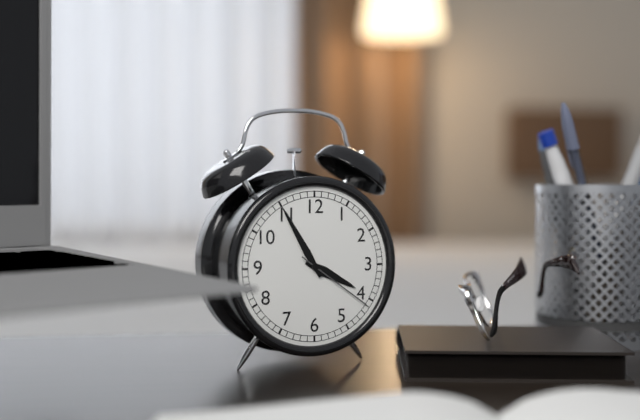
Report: h=3 m=55 s=21
